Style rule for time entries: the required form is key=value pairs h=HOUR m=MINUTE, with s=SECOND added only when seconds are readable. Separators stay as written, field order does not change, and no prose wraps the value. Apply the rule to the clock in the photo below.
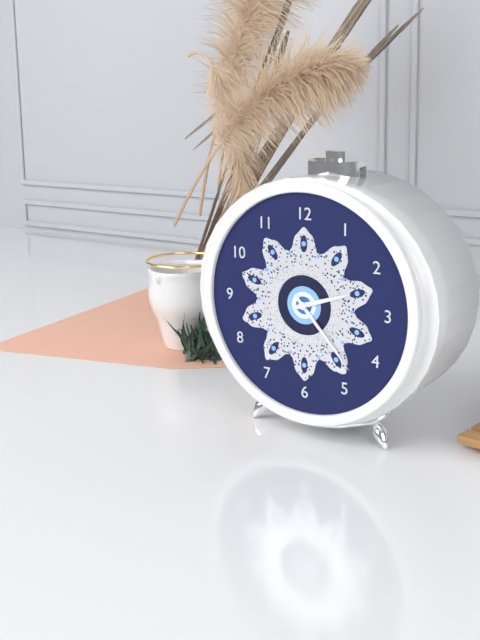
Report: h=2 m=23
